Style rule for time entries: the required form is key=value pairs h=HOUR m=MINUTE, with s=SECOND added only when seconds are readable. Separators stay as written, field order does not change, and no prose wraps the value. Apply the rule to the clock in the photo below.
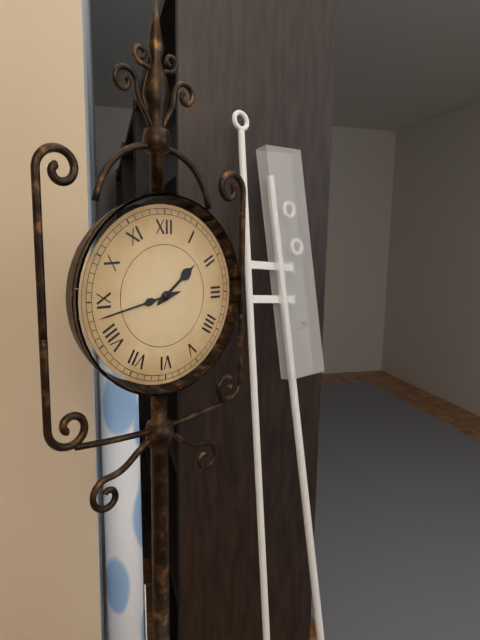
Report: h=1 m=43
